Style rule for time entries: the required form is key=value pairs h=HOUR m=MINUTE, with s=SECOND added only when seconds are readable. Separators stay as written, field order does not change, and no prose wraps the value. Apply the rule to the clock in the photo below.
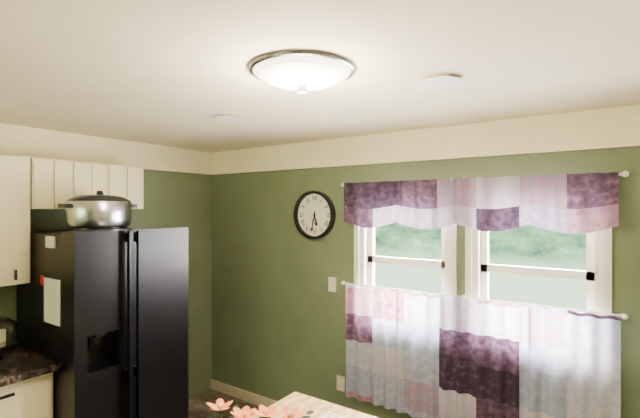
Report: h=5 m=32
